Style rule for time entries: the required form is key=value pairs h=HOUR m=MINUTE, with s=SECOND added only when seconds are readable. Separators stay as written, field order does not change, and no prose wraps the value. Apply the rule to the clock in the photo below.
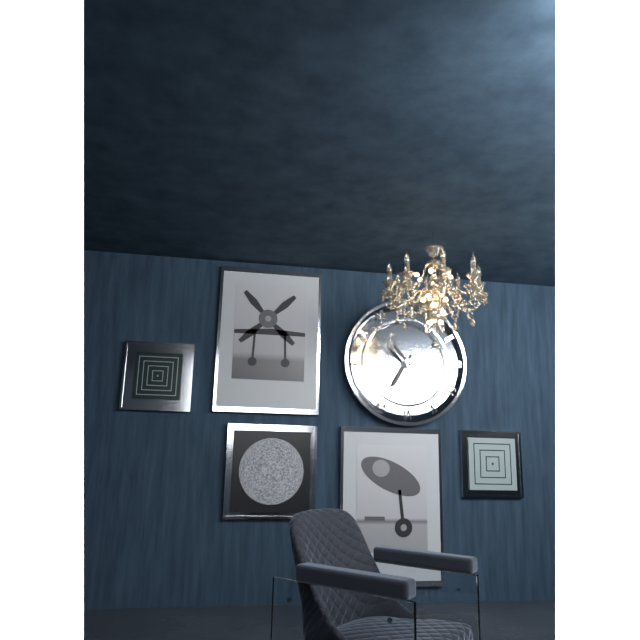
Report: h=10 m=35
